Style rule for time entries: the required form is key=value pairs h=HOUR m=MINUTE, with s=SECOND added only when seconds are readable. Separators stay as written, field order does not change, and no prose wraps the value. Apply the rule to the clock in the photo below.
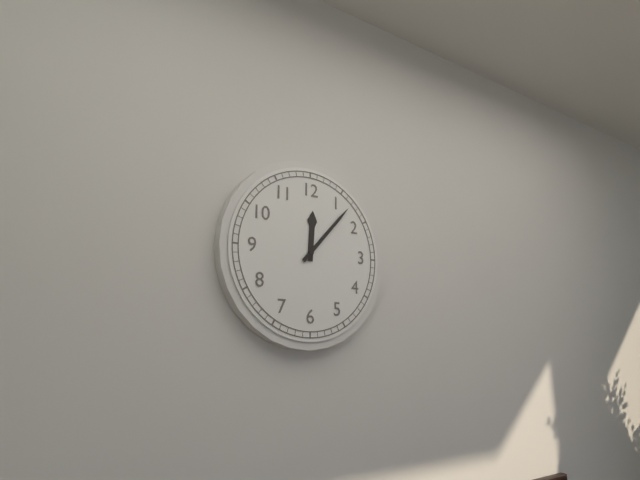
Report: h=12 m=7
